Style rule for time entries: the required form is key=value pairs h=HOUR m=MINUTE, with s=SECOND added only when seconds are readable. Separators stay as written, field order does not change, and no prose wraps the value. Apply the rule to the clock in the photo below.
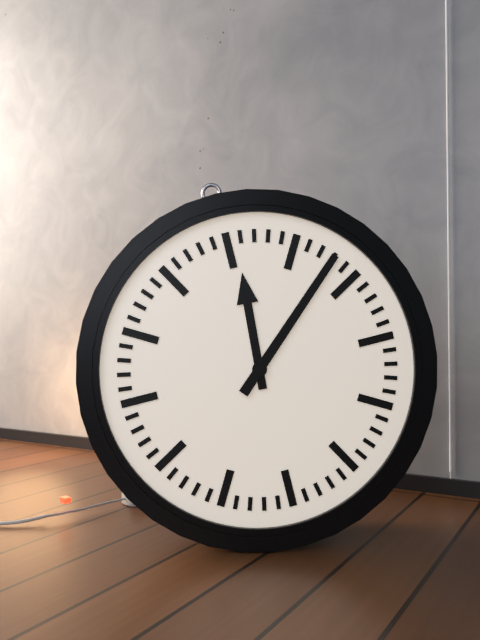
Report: h=12 m=8
